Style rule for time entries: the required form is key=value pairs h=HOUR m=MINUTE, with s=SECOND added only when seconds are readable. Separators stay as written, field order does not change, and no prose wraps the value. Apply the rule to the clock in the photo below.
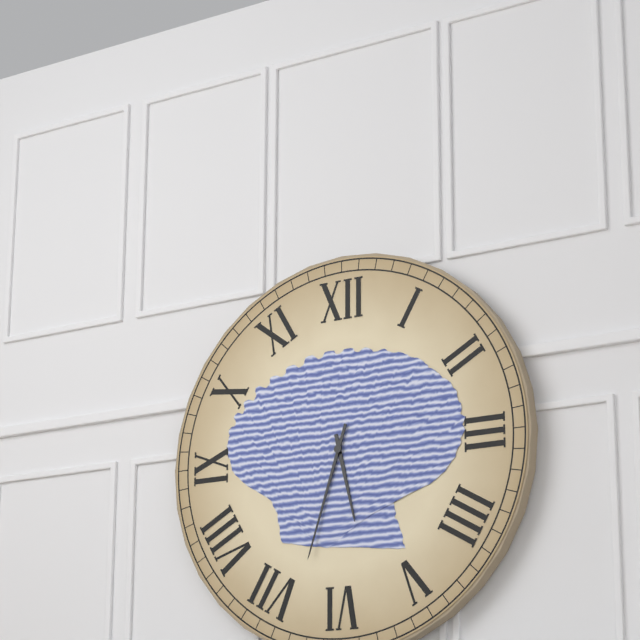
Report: h=5 m=33
